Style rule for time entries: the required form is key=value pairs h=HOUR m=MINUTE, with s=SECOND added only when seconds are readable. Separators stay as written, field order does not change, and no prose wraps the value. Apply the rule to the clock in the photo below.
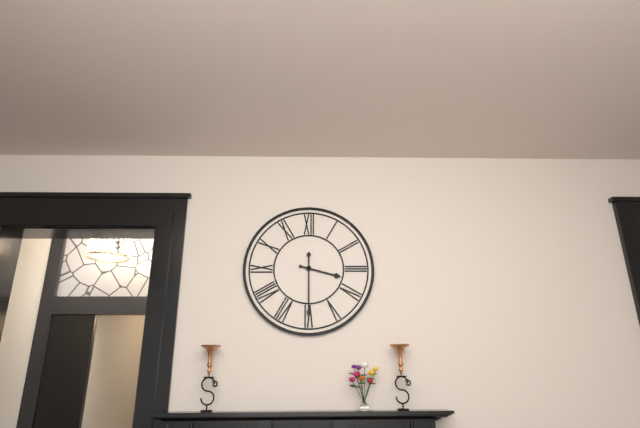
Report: h=3 m=30
